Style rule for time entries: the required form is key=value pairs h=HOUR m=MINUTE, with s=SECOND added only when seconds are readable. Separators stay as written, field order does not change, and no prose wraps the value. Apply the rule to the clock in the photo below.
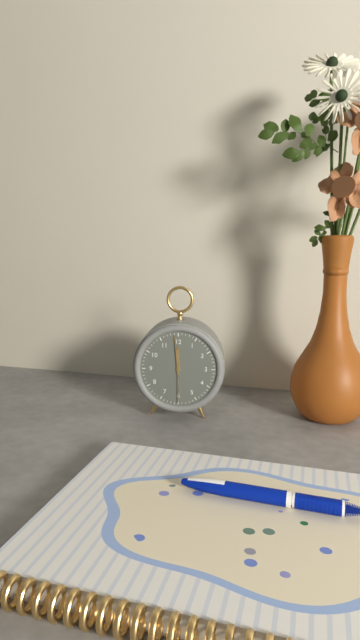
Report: h=11 m=59
